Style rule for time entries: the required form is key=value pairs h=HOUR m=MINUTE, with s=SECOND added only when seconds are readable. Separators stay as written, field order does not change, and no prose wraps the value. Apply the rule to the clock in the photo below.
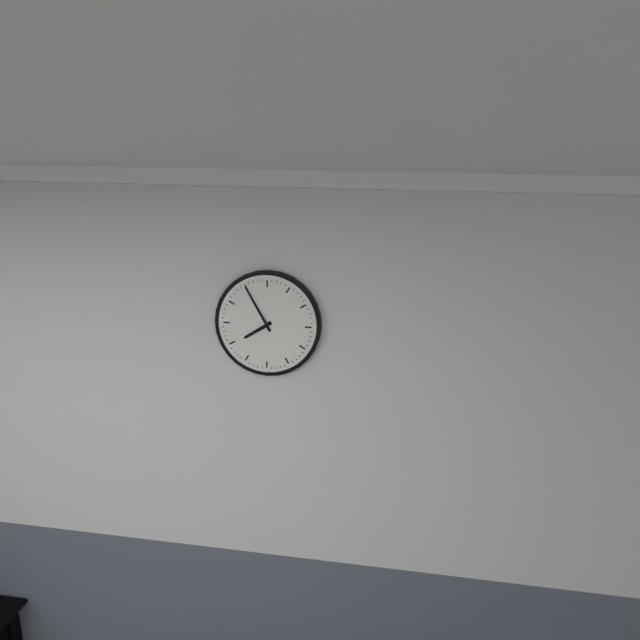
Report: h=7 m=55
